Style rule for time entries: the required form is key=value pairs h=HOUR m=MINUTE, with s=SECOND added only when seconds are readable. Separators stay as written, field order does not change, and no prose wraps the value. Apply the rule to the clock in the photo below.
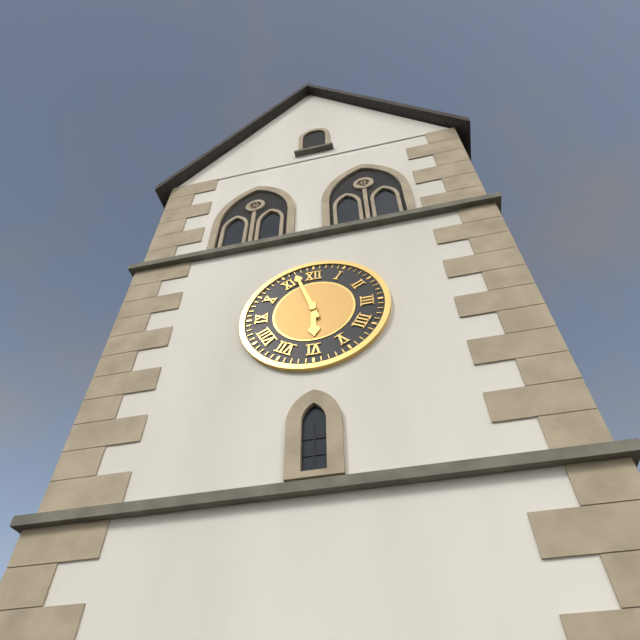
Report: h=5 m=57
